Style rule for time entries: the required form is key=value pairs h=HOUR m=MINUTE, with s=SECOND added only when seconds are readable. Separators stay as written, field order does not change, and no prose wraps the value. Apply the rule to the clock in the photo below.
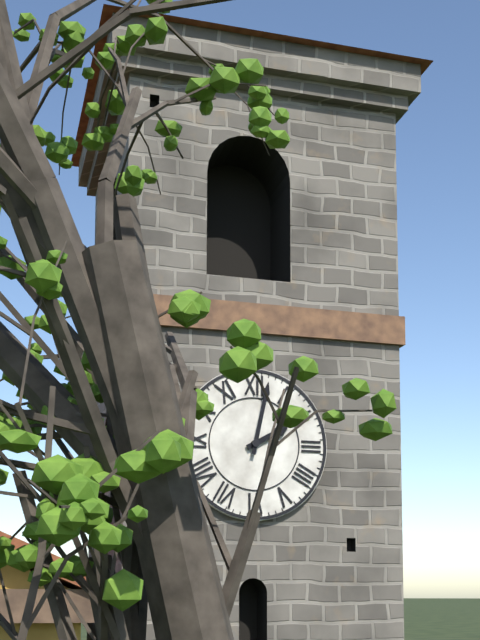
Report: h=2 m=2
